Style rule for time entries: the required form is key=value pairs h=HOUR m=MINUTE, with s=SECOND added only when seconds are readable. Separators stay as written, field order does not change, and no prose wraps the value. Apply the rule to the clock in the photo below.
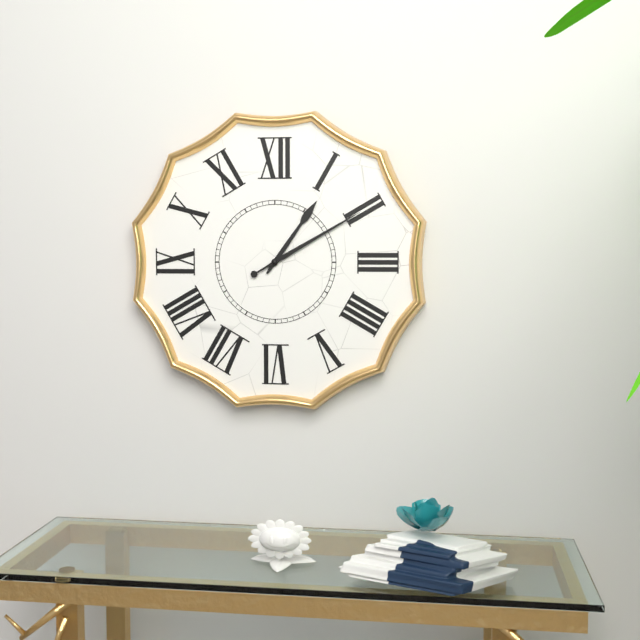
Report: h=1 m=10
